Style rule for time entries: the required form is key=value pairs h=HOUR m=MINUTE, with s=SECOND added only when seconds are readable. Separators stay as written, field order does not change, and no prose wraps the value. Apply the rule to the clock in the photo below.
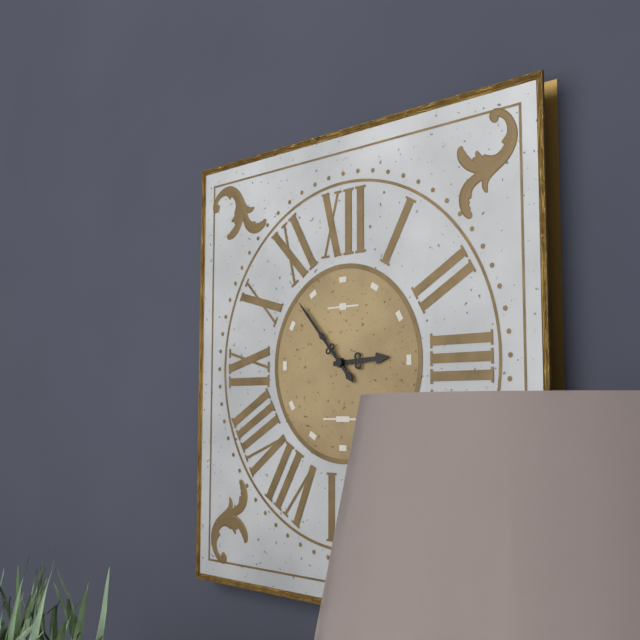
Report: h=2 m=53
